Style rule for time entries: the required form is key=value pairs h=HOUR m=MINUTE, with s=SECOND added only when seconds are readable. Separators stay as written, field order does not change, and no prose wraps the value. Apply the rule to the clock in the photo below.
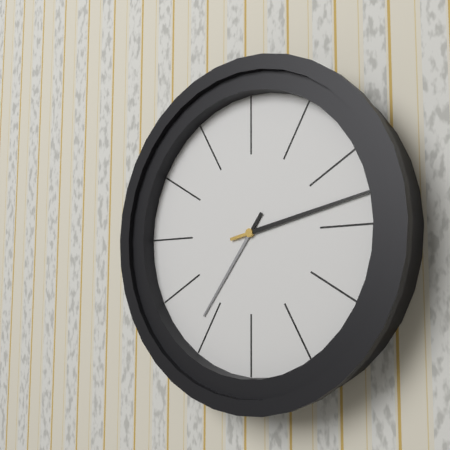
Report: h=7 m=13
